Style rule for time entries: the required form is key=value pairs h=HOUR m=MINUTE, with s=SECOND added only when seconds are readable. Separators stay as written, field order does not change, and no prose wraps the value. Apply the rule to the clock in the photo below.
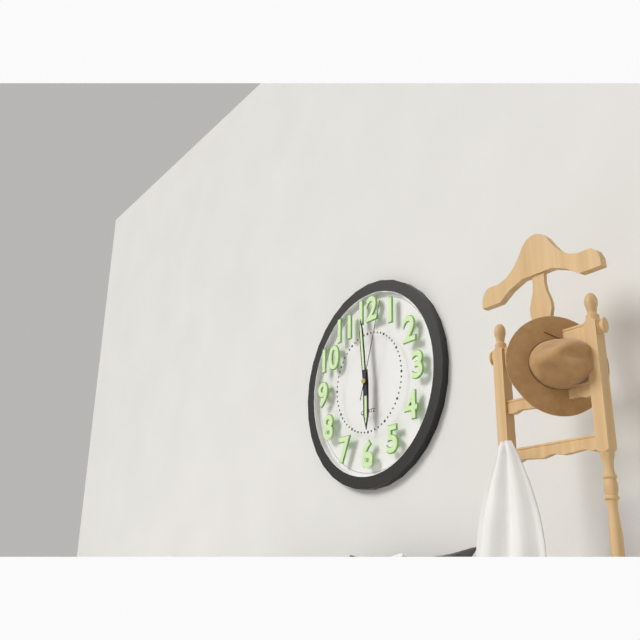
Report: h=5 m=59 s=3
